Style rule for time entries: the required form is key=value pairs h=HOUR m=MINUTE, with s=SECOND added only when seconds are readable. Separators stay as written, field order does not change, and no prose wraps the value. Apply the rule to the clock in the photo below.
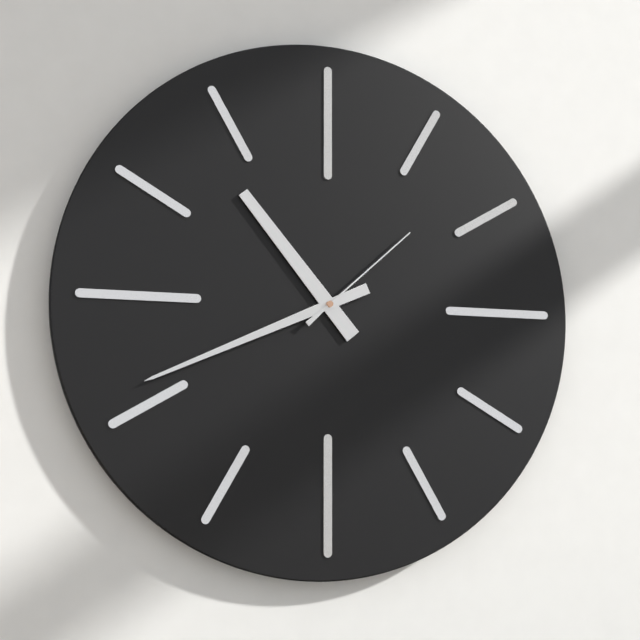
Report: h=10 m=41 s=8
